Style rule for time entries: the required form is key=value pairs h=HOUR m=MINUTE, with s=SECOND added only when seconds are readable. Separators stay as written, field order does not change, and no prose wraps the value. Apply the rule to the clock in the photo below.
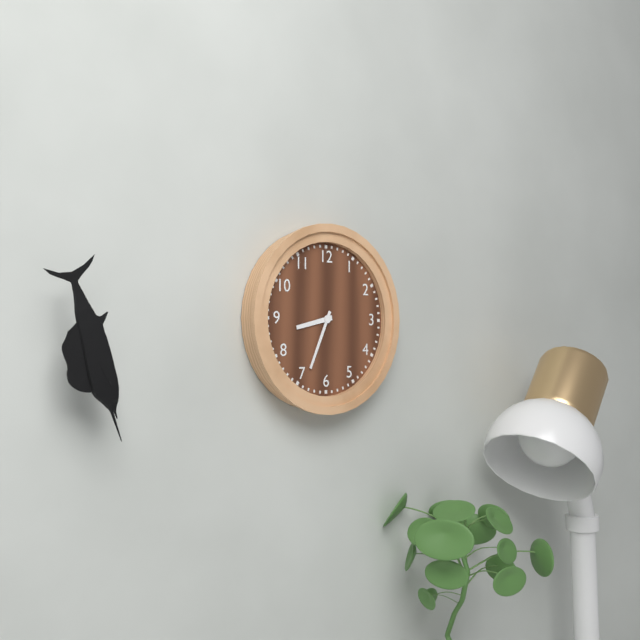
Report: h=8 m=34
